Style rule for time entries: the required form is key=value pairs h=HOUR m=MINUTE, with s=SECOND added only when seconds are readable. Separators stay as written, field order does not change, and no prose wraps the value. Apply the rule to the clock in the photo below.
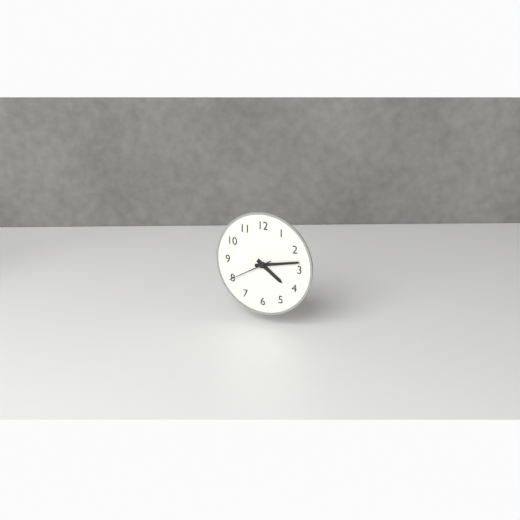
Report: h=4 m=13
